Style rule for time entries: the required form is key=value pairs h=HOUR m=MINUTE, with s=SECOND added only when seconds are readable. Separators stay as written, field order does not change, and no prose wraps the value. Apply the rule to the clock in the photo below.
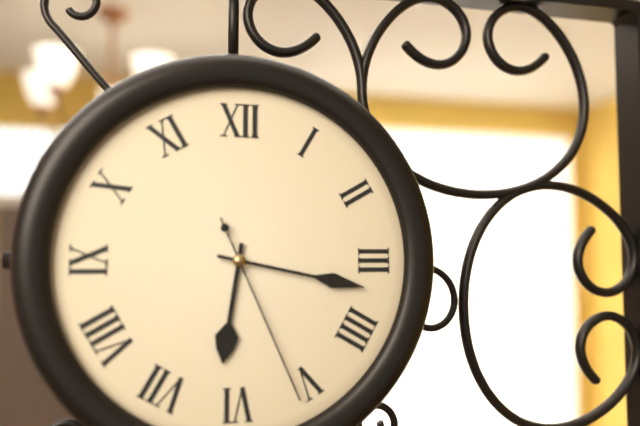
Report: h=6 m=17 s=26
